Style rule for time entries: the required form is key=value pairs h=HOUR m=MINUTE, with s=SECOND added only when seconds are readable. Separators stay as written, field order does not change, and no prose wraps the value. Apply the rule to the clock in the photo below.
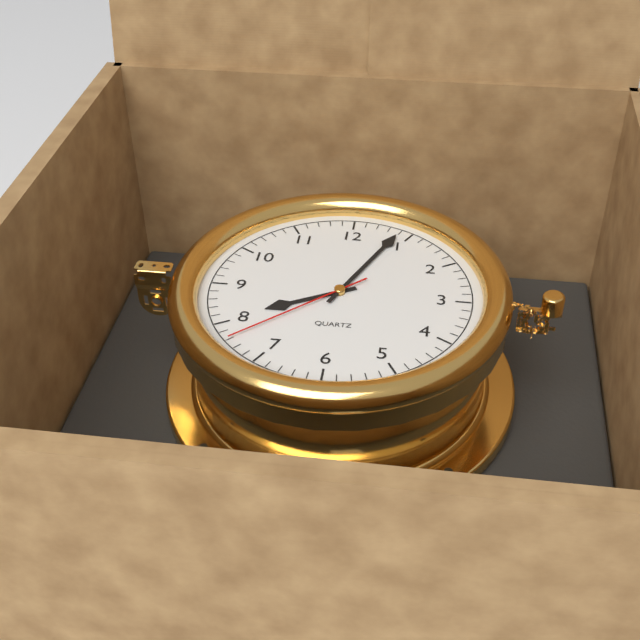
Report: h=8 m=4 s=38
